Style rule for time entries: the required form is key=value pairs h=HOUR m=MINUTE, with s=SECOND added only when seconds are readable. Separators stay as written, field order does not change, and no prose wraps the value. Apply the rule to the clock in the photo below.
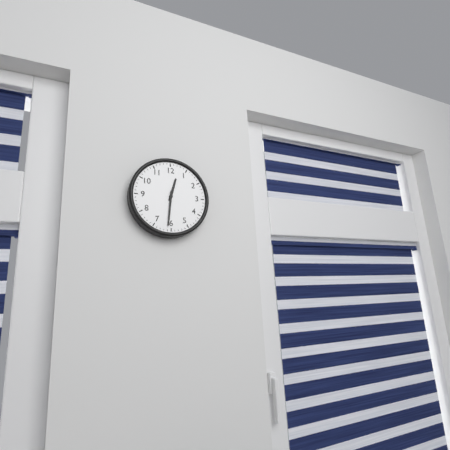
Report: h=12 m=31
